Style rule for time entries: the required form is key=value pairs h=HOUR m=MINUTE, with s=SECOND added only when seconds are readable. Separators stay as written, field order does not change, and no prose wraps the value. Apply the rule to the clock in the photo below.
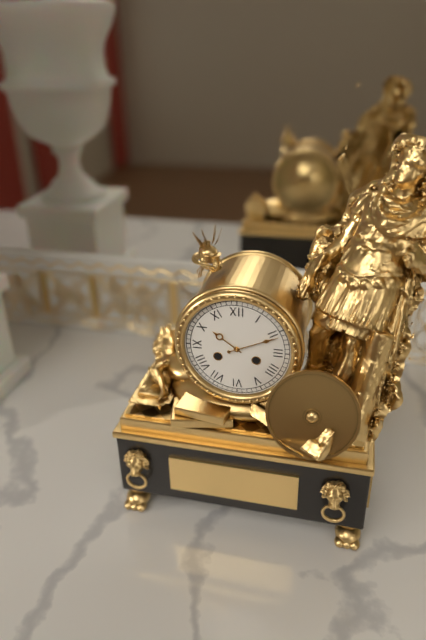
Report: h=10 m=11
